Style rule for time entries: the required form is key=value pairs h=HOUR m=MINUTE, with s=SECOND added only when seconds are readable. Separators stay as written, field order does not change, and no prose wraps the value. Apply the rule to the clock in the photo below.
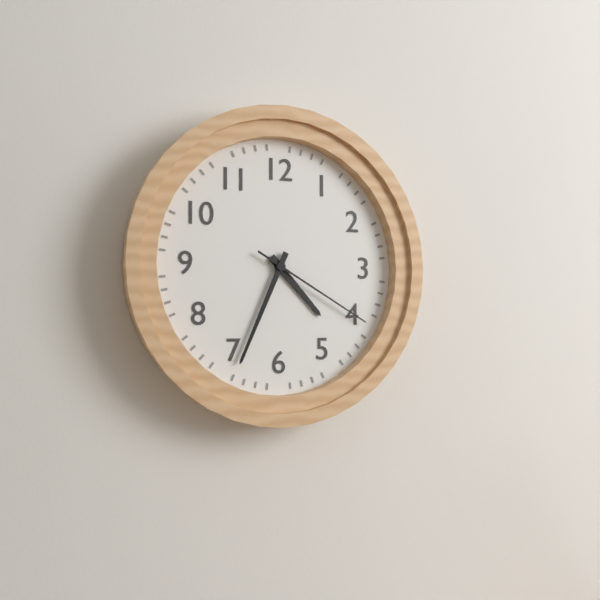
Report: h=4 m=34 s=20
